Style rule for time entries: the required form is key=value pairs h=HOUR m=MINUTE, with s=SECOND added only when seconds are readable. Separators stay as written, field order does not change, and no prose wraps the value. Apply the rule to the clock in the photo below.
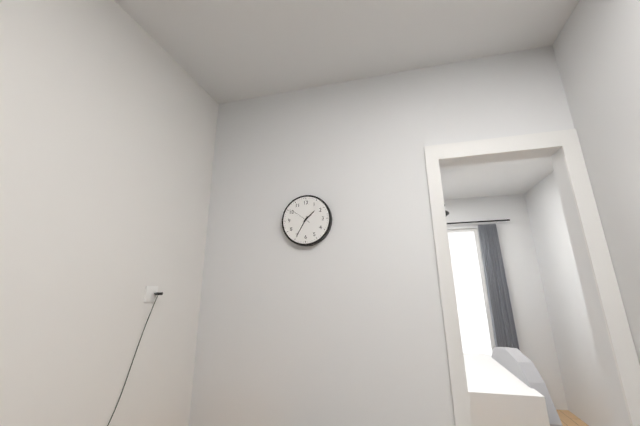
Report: h=1 m=35
